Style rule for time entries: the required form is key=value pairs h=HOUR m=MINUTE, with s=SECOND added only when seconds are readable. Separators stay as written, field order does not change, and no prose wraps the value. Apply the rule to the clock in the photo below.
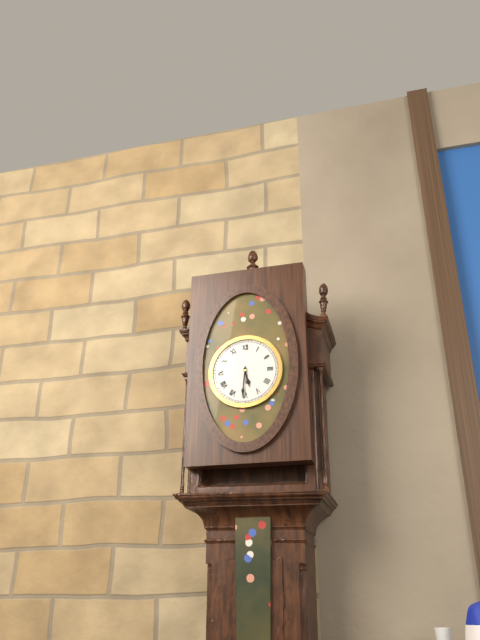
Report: h=5 m=31
